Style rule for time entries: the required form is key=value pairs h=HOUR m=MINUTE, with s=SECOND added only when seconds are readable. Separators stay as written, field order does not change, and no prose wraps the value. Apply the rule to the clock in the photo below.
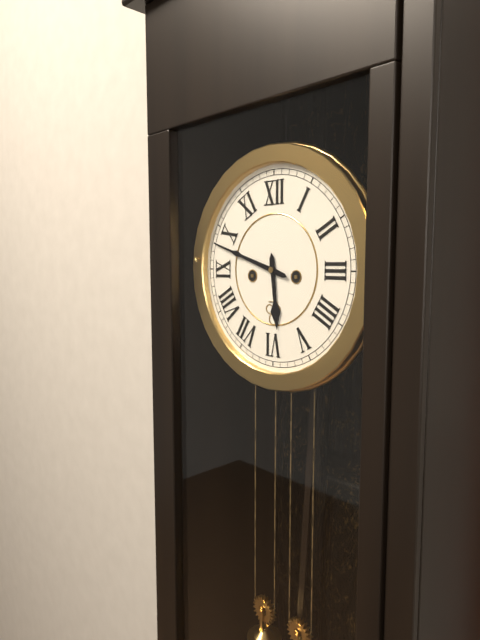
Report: h=5 m=48
